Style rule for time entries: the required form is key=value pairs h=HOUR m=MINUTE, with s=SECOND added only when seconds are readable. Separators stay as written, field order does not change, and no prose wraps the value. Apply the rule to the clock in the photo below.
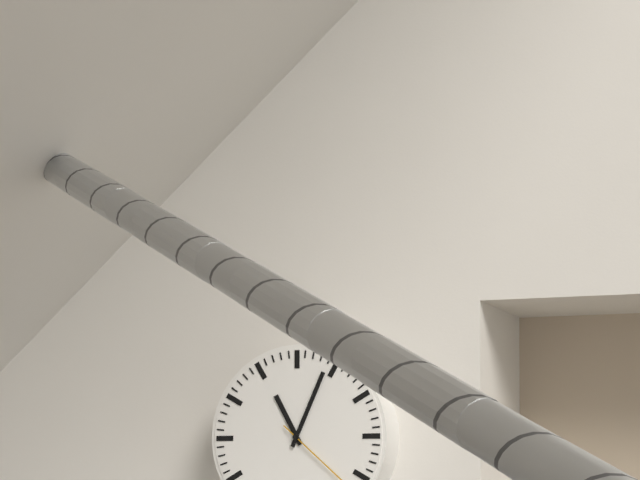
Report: h=11 m=4
